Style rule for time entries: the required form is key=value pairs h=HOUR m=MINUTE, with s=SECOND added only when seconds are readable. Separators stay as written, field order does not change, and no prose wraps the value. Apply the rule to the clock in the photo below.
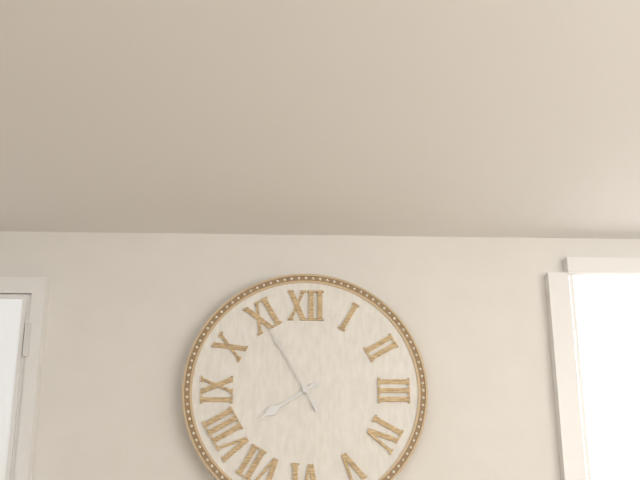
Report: h=7 m=55
